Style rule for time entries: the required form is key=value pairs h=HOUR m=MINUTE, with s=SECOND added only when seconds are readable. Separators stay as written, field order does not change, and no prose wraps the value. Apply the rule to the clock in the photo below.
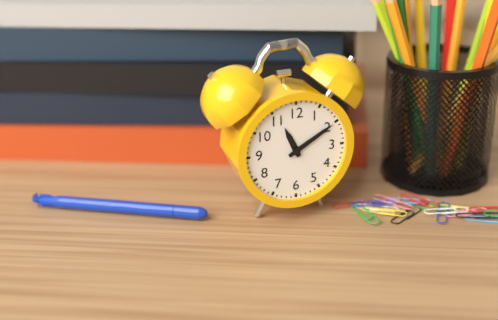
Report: h=11 m=10
